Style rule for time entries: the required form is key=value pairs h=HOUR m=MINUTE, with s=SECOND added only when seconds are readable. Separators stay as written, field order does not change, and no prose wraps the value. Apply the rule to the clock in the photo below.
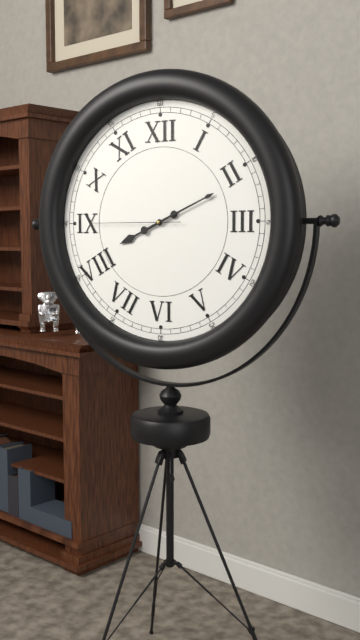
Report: h=8 m=11 s=45
